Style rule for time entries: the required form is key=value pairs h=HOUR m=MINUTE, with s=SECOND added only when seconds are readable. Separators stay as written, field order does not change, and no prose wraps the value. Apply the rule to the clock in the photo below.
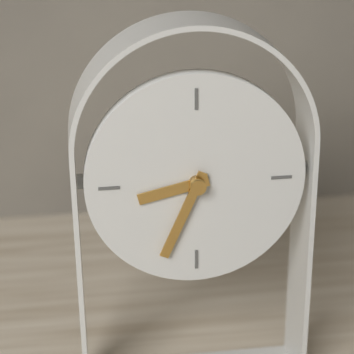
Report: h=8 m=34
